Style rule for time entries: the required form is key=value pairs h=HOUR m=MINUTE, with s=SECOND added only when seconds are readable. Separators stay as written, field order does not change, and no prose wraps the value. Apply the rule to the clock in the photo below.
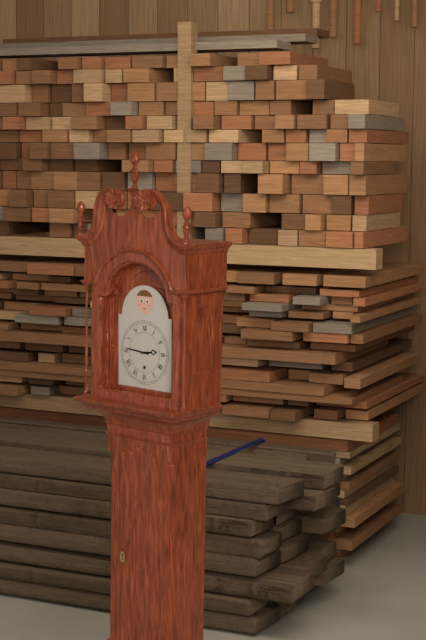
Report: h=2 m=46
